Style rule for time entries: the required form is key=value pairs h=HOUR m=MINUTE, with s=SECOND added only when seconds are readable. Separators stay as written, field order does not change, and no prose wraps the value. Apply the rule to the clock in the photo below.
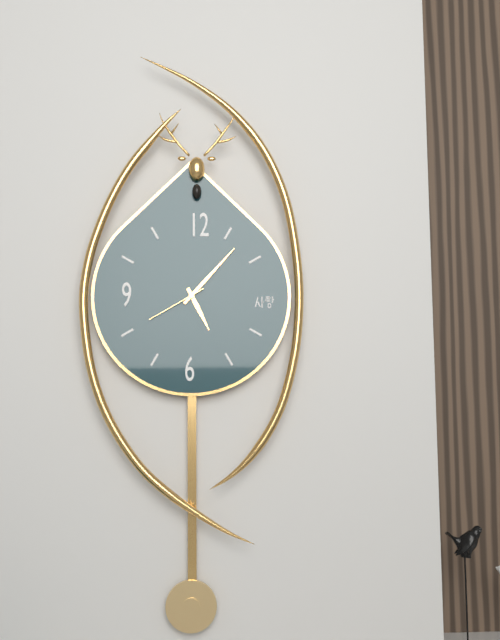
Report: h=5 m=7 s=40
